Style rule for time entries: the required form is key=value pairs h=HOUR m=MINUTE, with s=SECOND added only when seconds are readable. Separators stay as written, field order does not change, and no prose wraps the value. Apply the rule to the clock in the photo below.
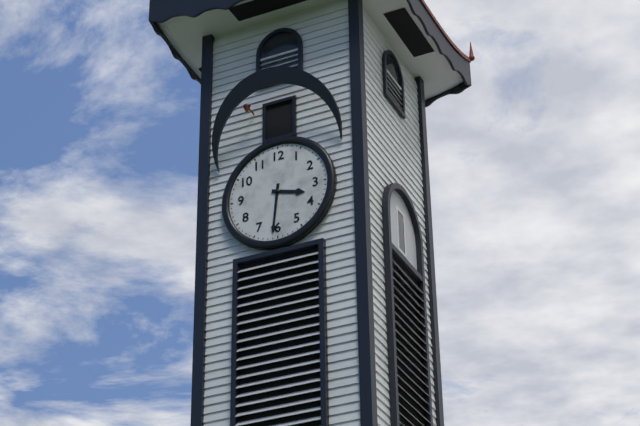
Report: h=3 m=31
